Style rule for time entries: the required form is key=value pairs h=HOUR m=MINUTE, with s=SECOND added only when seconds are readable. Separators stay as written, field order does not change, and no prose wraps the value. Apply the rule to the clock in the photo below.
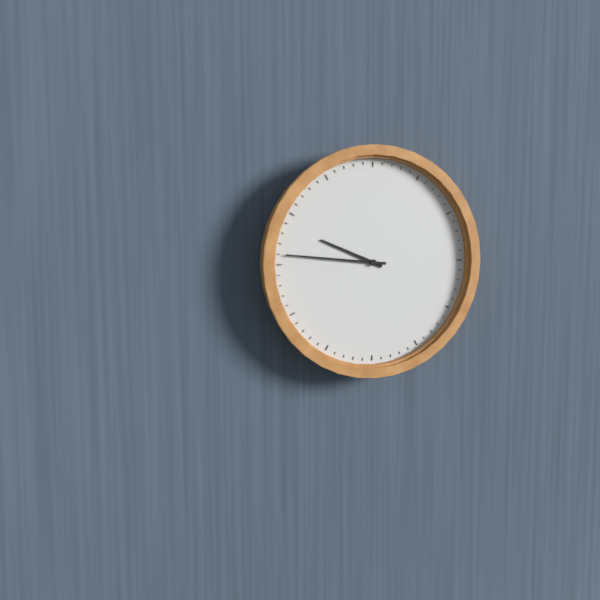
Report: h=9 m=46
